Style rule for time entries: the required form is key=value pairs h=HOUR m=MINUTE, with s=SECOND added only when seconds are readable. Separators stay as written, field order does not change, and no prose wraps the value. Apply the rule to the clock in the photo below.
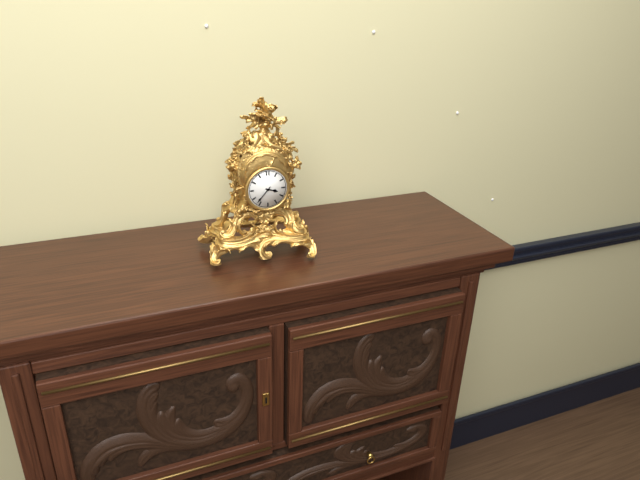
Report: h=3 m=37
